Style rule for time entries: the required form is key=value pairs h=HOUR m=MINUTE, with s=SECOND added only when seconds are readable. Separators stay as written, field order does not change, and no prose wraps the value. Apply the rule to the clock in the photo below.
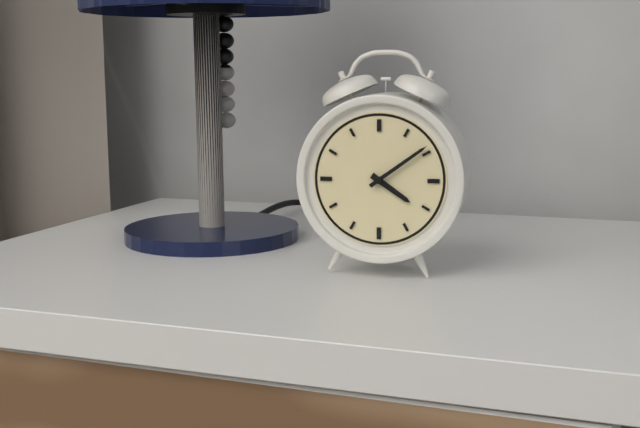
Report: h=4 m=9
